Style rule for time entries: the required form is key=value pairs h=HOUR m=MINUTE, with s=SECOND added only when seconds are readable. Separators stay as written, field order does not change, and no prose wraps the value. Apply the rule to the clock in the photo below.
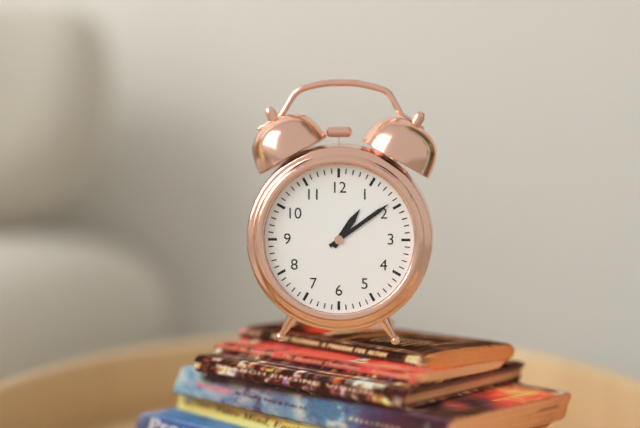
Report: h=1 m=9
